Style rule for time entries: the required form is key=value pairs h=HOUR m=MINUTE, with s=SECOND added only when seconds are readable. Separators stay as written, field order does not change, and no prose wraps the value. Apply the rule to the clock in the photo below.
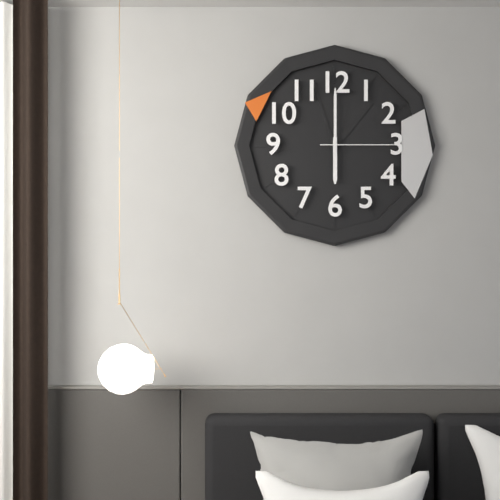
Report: h=6 m=0 s=15
